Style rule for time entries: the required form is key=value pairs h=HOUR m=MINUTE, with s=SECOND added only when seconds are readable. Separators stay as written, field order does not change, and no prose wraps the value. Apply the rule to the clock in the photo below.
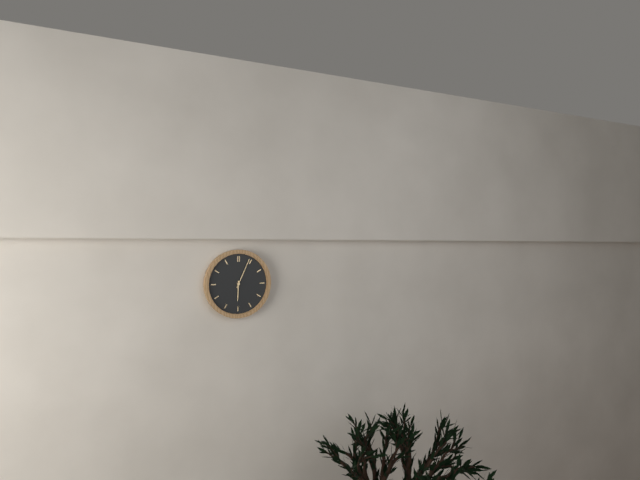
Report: h=6 m=4
